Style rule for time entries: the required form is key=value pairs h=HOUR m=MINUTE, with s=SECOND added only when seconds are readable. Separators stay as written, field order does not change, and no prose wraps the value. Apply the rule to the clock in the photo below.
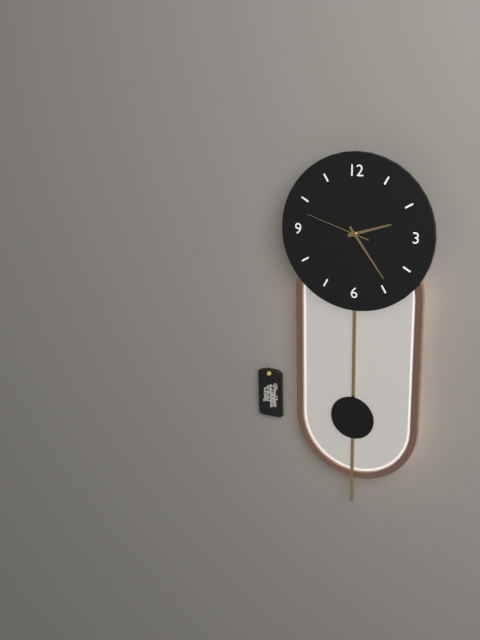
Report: h=2 m=24 s=48
